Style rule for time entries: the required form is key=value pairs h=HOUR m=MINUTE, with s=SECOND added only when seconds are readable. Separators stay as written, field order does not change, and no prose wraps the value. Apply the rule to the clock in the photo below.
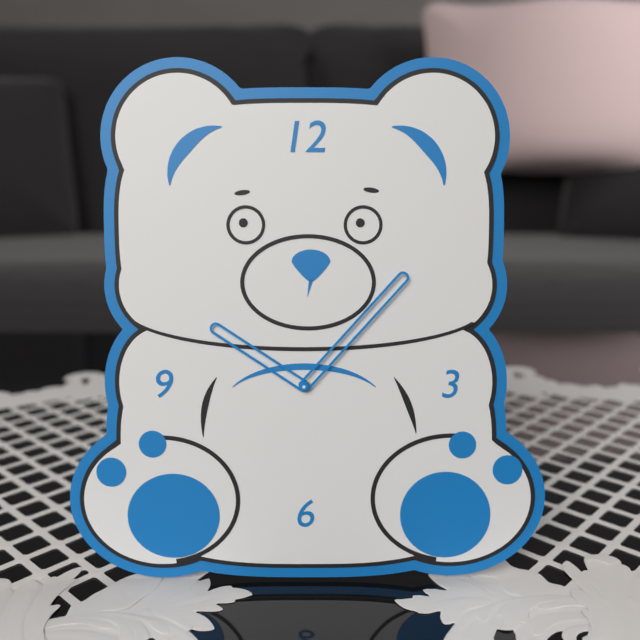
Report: h=10 m=7
